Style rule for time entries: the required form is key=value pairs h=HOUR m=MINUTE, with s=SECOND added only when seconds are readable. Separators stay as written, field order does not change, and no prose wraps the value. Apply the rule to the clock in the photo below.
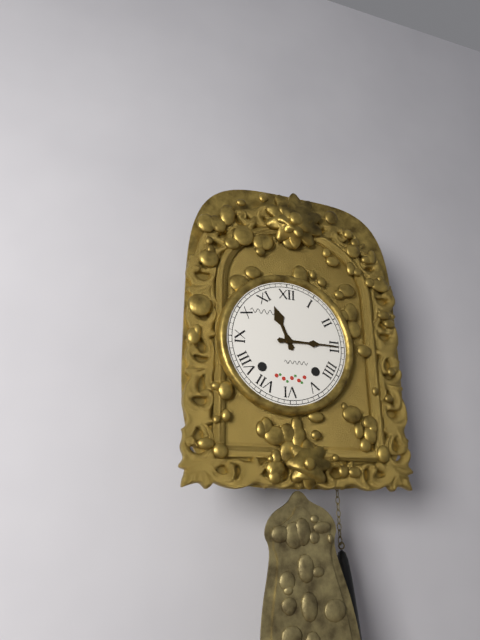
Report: h=11 m=15
